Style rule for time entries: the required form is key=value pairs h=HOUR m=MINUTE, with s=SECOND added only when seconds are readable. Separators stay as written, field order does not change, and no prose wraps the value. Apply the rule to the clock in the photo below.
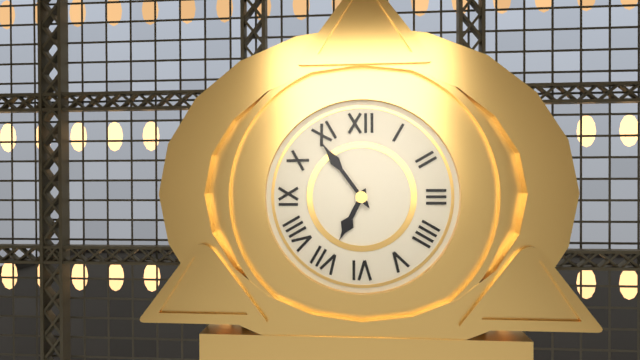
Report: h=6 m=54
